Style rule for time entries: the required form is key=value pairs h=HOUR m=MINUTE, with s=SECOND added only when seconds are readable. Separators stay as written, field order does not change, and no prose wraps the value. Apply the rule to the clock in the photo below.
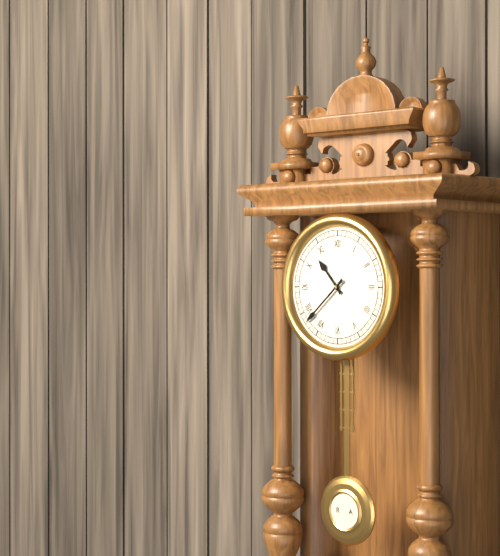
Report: h=10 m=38
